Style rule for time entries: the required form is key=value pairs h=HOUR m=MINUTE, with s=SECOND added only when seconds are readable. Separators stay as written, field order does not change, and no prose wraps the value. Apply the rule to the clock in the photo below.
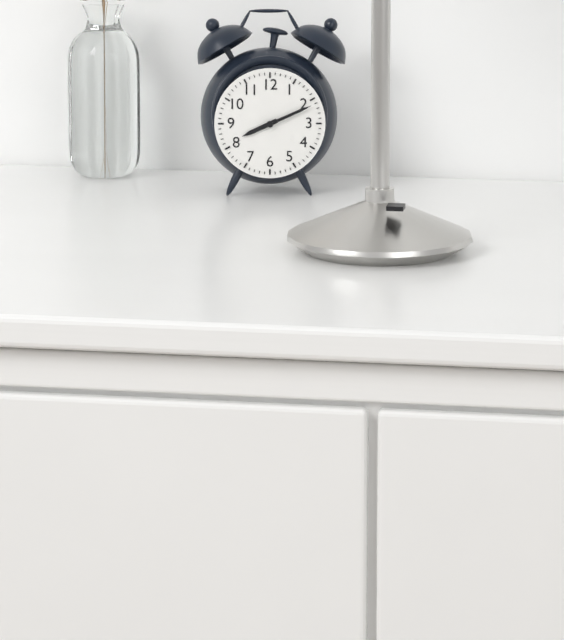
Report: h=8 m=11
